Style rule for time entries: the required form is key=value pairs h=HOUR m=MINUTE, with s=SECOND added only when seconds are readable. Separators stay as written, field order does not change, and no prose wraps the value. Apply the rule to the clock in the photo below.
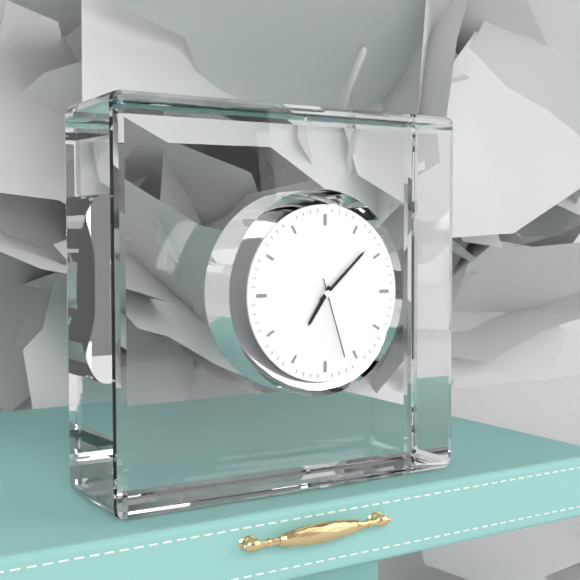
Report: h=7 m=8 s=27
